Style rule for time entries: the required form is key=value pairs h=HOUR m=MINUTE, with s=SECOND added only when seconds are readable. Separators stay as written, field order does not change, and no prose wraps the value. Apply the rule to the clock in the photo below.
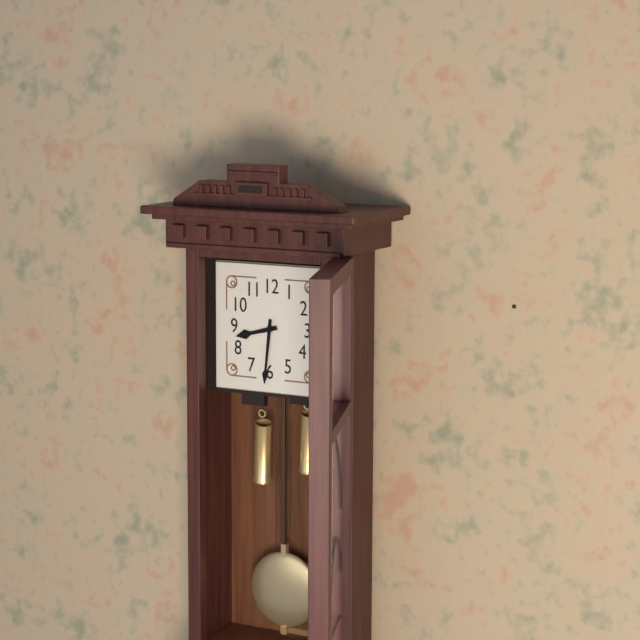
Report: h=8 m=31
